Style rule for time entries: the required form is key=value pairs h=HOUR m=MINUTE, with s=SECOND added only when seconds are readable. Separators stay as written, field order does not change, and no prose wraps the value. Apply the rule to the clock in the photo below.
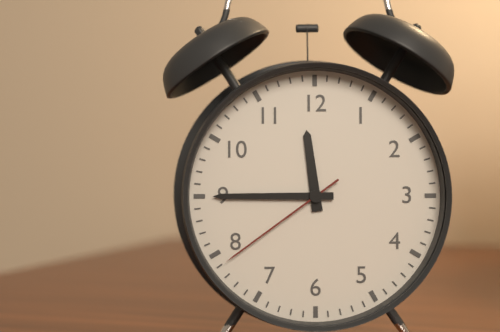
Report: h=11 m=45 s=39
